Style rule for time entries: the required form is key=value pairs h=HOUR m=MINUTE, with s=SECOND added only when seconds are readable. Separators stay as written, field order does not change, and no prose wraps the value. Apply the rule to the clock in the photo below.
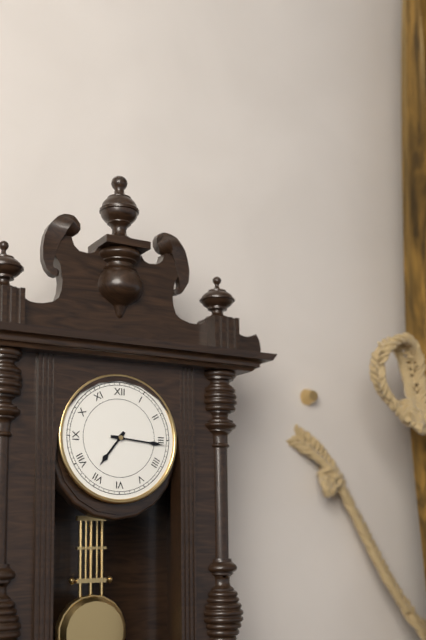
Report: h=7 m=16
